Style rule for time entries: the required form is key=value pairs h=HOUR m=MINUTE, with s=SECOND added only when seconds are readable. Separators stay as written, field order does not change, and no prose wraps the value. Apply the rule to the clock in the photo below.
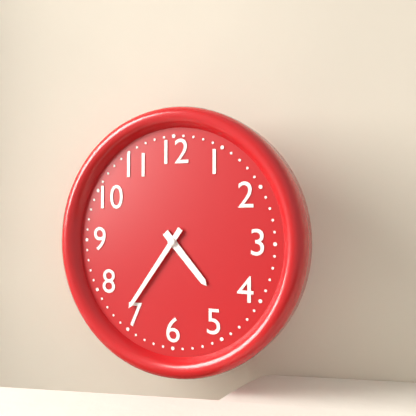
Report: h=4 m=36
